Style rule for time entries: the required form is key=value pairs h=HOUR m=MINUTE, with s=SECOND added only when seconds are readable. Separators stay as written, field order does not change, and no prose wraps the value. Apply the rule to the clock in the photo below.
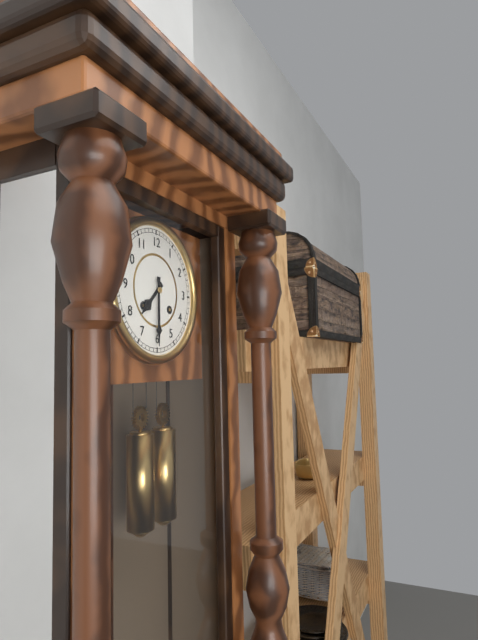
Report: h=7 m=30
